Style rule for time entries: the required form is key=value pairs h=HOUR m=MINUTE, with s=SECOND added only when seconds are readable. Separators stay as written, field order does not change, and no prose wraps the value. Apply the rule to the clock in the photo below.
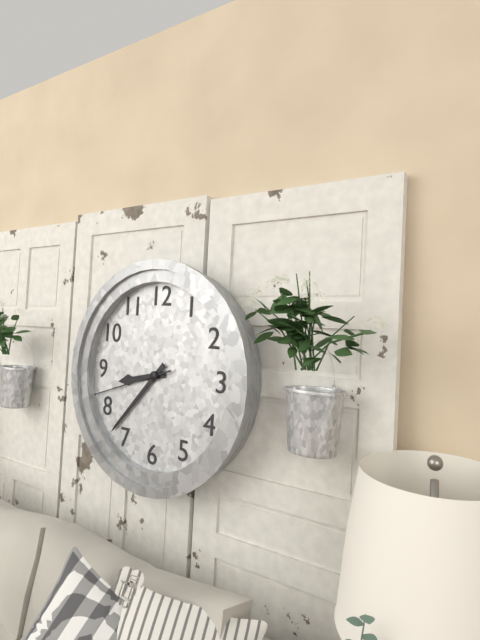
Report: h=8 m=37 s=42
